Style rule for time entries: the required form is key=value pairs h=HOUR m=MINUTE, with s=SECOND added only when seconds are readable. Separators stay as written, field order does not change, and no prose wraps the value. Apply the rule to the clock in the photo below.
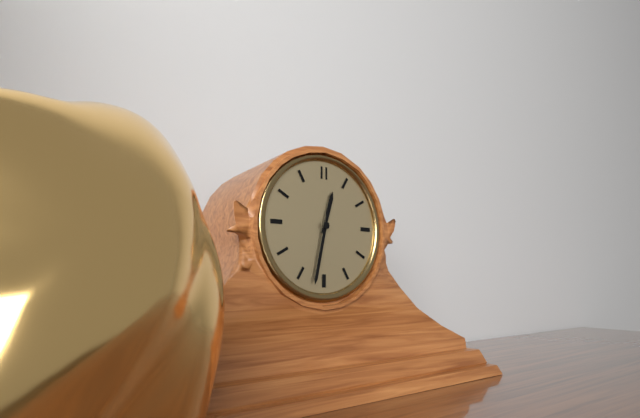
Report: h=12 m=32
